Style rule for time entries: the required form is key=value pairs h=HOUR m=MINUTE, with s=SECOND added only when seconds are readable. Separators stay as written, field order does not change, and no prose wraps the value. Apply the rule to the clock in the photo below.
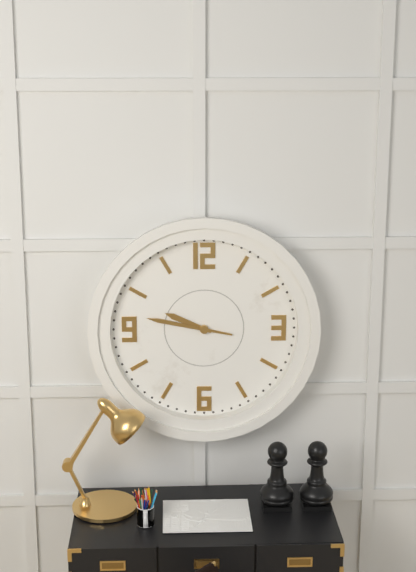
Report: h=9 m=47
